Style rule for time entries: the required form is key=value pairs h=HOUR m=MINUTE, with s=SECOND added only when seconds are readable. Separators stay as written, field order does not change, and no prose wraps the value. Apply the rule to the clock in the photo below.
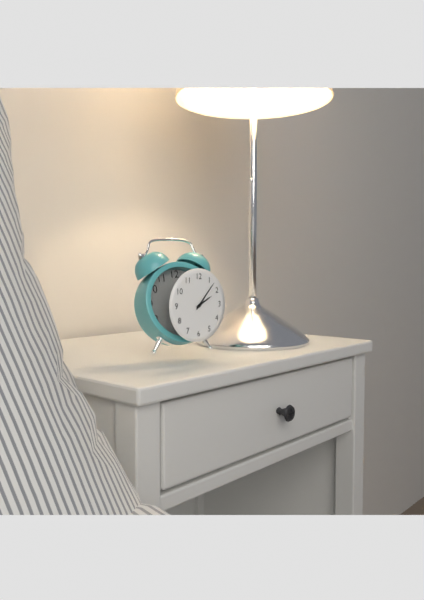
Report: h=2 m=7
